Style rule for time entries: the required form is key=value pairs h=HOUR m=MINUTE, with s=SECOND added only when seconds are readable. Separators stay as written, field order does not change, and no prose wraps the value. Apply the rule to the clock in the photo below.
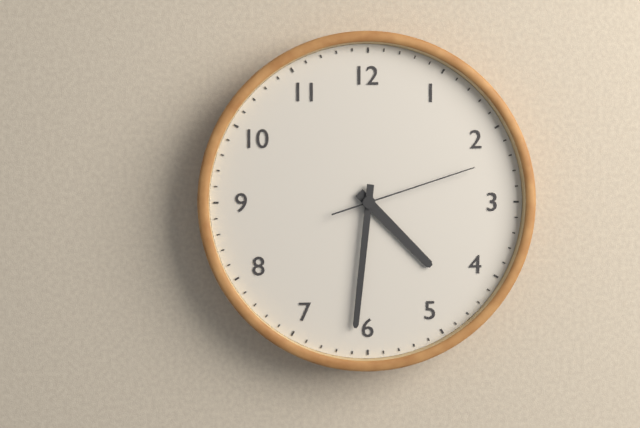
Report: h=4 m=31 s=12
